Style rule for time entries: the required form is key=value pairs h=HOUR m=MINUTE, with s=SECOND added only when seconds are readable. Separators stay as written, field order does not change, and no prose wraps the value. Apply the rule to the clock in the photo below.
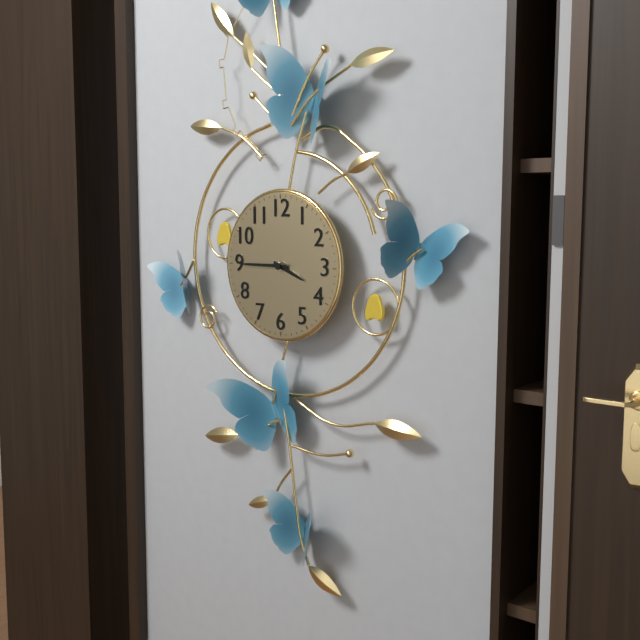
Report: h=3 m=45
